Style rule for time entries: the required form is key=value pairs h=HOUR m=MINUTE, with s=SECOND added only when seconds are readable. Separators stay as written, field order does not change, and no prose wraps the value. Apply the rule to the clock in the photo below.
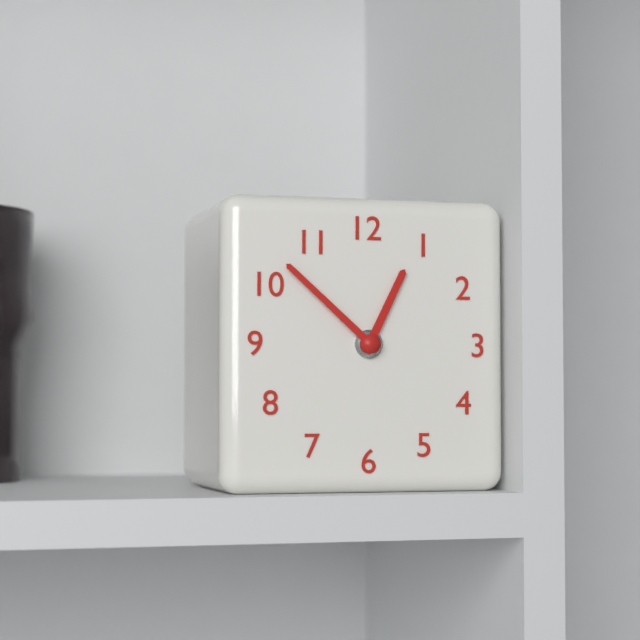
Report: h=12 m=52
